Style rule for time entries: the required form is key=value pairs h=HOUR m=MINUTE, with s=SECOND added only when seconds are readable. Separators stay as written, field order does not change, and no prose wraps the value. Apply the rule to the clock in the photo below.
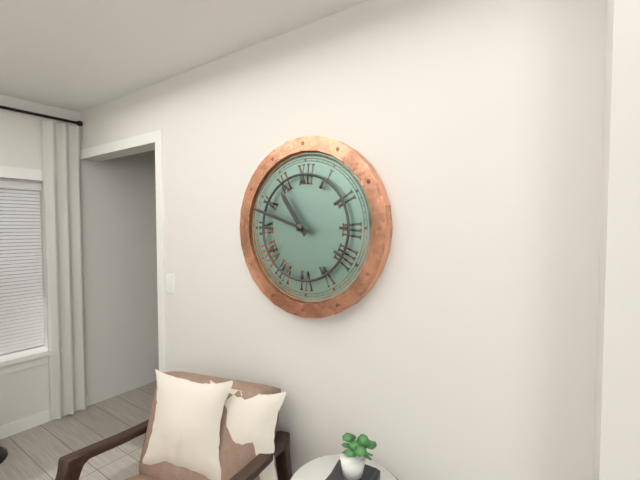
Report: h=10 m=48
